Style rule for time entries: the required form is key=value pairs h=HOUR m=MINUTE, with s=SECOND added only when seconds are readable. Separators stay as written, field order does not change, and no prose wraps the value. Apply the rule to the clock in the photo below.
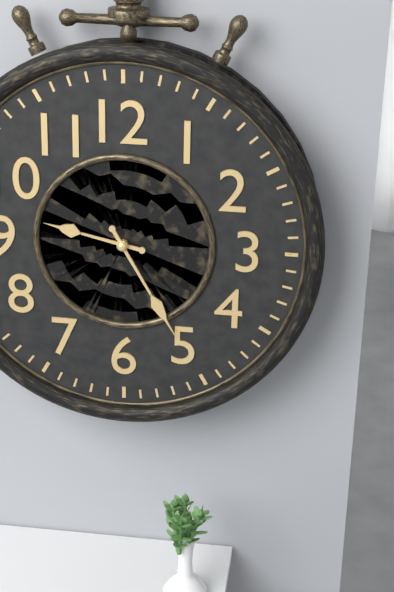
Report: h=9 m=25
